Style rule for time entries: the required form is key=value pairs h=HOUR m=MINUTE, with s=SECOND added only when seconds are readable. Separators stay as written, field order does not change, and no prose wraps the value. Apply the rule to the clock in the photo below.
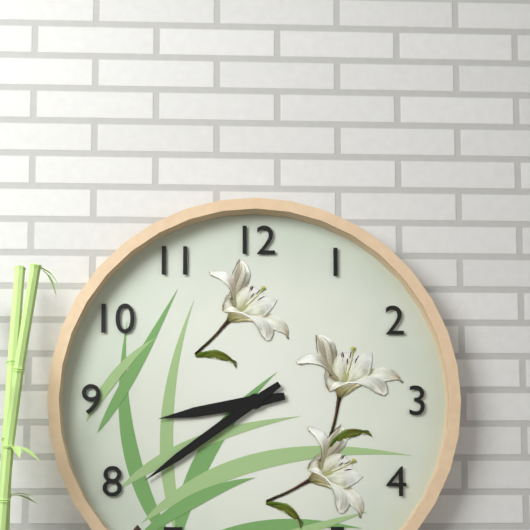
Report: h=8 m=39
